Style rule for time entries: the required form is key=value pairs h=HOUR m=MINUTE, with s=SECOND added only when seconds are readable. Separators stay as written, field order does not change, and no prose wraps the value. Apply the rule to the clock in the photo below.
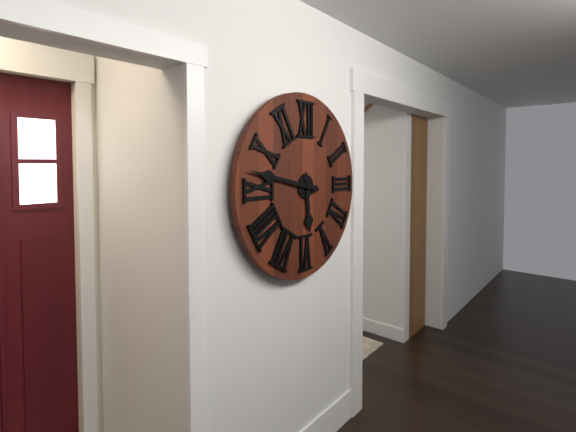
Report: h=5 m=47
